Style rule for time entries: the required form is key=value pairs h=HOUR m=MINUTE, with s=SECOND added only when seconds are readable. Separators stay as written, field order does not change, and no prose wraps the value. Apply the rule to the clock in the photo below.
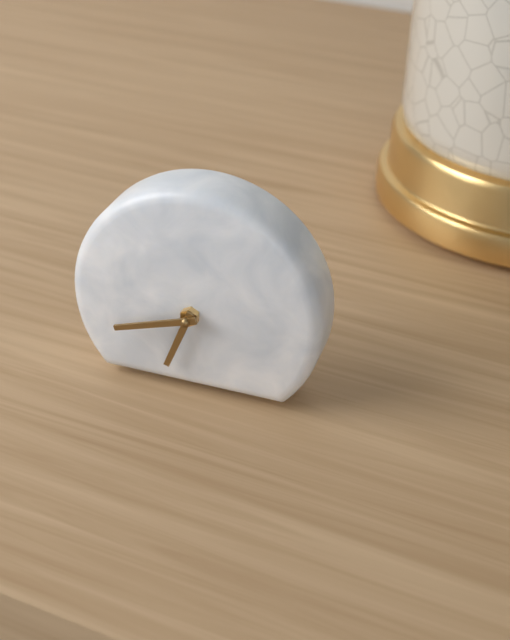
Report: h=6 m=42
